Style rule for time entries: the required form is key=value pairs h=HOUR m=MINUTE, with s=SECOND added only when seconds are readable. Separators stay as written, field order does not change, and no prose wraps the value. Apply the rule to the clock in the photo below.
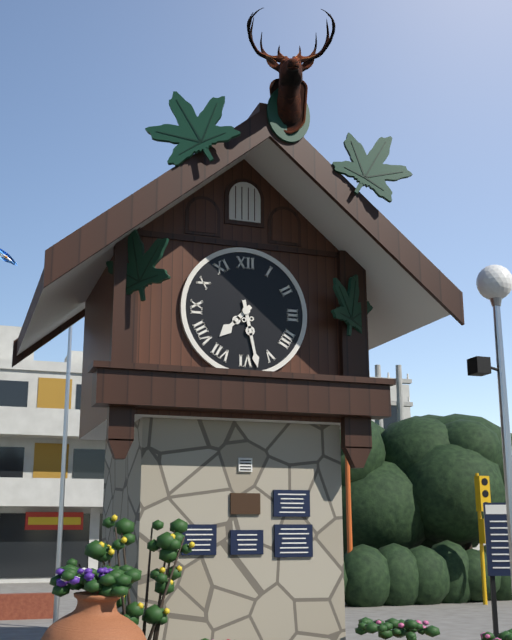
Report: h=7 m=28
